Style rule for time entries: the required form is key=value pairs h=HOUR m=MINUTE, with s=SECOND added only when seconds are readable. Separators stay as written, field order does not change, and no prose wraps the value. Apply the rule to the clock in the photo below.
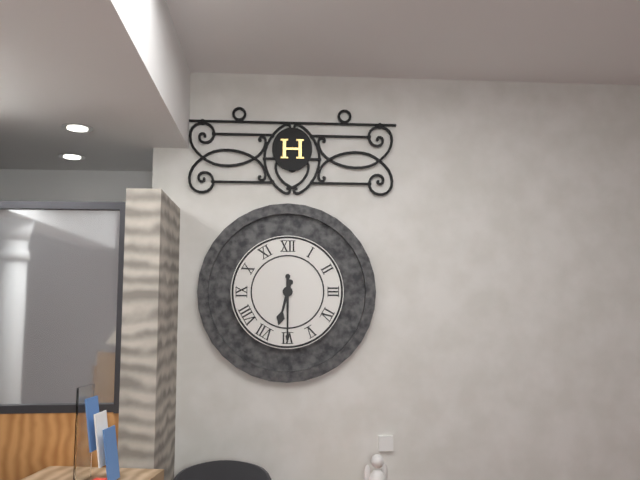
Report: h=6 m=30
